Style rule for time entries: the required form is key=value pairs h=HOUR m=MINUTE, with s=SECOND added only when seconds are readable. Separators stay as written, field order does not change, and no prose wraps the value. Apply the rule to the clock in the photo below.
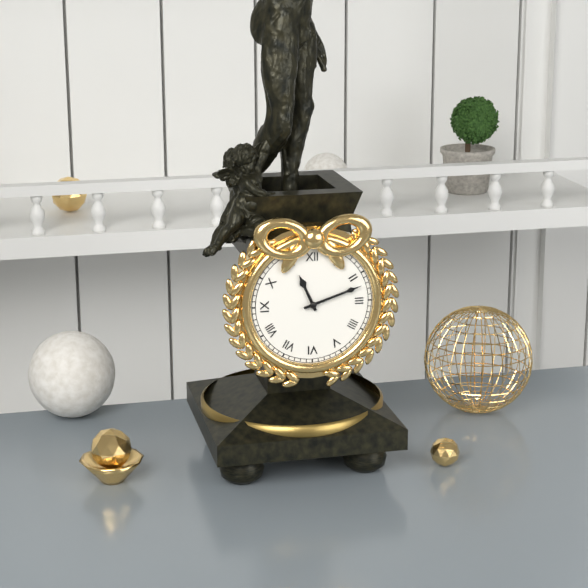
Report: h=11 m=12
